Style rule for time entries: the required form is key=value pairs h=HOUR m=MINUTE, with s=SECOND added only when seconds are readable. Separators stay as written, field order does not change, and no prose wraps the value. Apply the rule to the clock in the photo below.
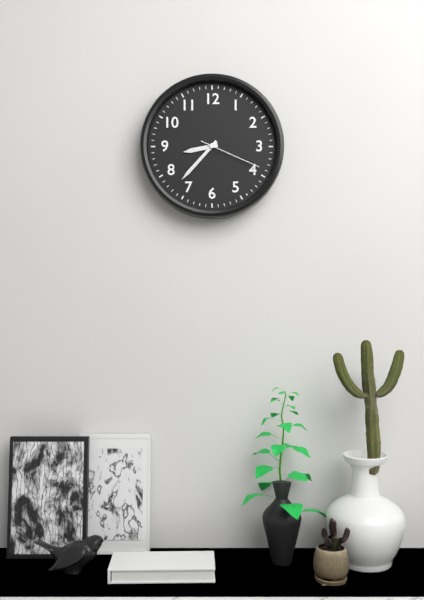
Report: h=8 m=37 s=19
